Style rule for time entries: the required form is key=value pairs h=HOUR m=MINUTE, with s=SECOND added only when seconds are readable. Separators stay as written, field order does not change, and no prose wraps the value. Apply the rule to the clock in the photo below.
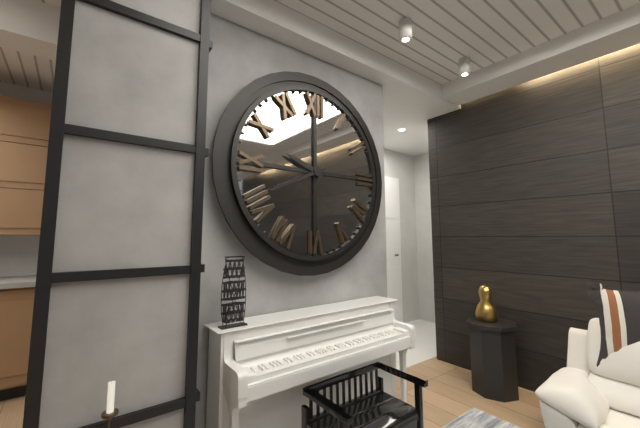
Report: h=9 m=41
